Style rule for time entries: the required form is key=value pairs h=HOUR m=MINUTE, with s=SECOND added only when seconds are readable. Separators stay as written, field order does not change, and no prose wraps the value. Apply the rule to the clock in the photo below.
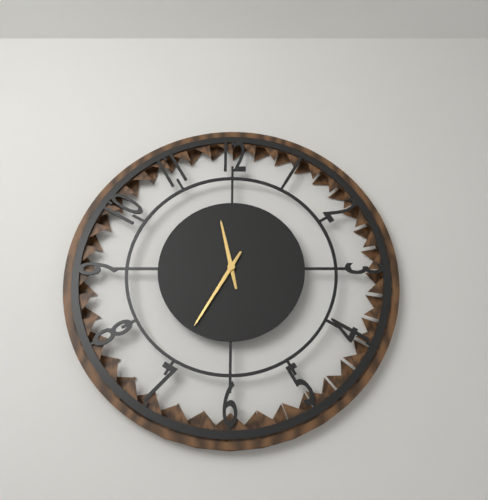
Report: h=11 m=35
